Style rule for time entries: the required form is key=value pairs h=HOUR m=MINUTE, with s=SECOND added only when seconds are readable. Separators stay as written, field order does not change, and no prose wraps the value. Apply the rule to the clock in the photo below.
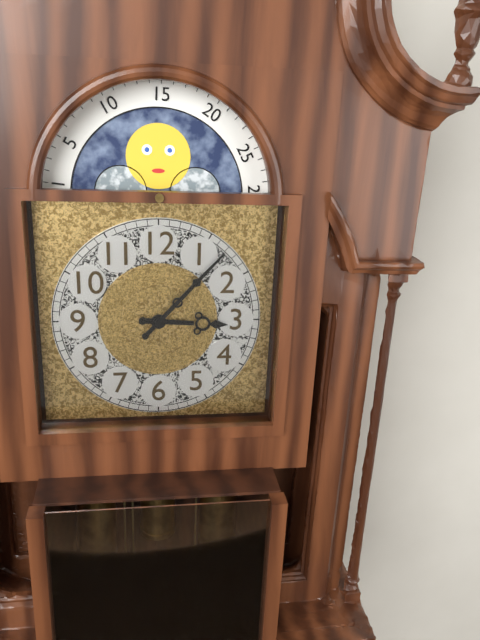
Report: h=3 m=7
